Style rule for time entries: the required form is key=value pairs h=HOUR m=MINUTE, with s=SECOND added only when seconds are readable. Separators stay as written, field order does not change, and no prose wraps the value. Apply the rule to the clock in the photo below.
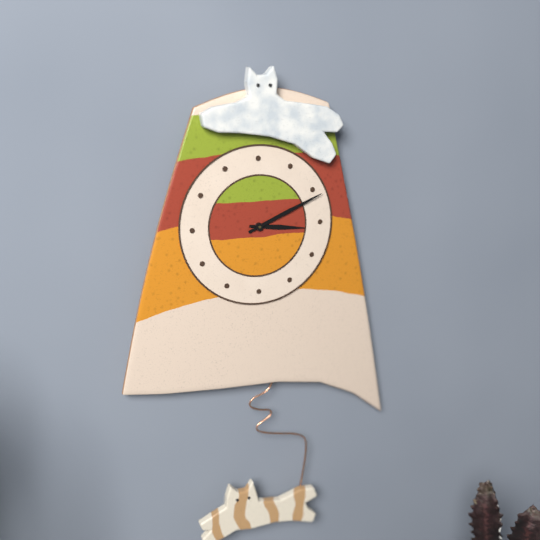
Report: h=3 m=11
